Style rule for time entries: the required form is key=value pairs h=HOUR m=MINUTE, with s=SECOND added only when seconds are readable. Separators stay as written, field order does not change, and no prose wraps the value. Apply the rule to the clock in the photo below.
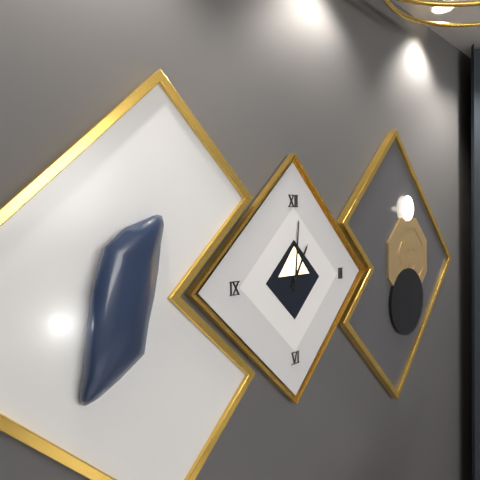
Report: h=1 m=1
